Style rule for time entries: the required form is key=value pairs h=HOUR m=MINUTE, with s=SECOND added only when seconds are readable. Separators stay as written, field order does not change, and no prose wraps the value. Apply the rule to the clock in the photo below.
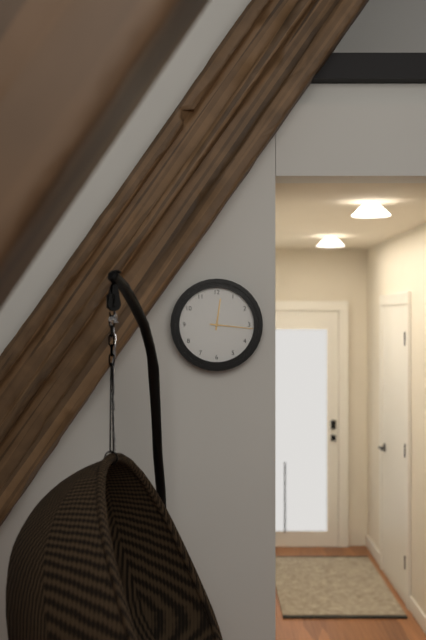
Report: h=12 m=16
